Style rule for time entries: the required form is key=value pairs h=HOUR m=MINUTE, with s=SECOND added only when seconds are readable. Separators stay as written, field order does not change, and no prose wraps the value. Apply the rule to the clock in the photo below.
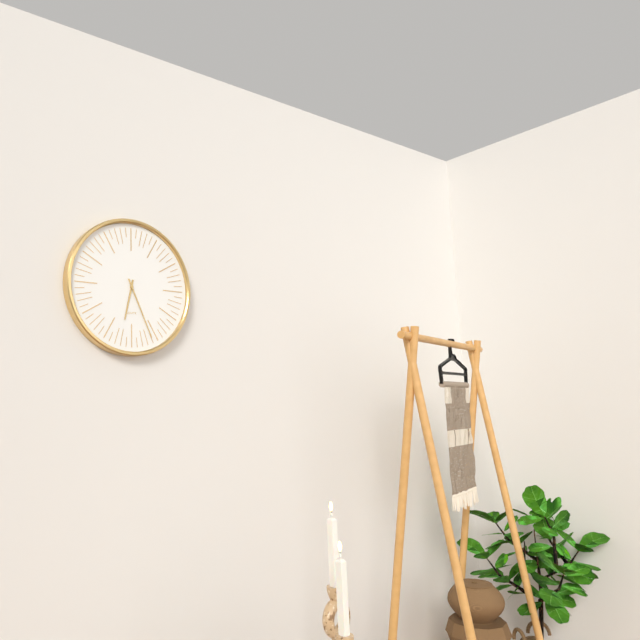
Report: h=6 m=26
